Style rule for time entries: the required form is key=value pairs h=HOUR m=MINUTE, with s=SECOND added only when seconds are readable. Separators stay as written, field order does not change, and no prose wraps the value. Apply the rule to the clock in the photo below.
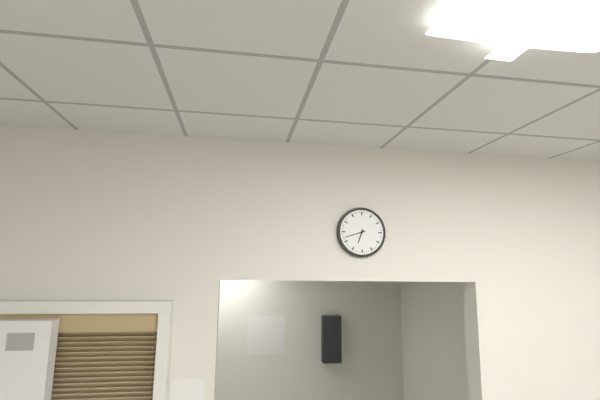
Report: h=6 m=42
